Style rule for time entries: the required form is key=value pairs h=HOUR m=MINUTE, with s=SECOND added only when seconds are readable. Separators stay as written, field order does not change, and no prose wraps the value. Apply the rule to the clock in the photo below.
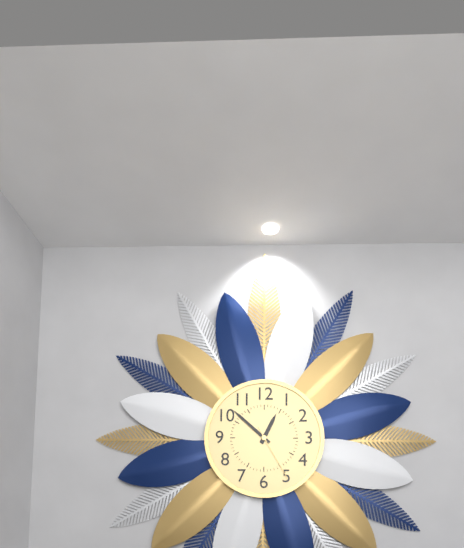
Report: h=12 m=52 s=25
